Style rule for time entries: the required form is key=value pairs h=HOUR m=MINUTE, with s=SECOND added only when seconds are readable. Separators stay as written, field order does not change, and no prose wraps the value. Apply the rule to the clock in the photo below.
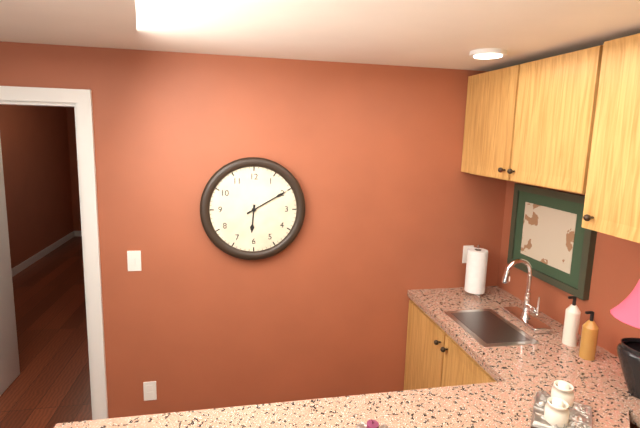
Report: h=6 m=10
